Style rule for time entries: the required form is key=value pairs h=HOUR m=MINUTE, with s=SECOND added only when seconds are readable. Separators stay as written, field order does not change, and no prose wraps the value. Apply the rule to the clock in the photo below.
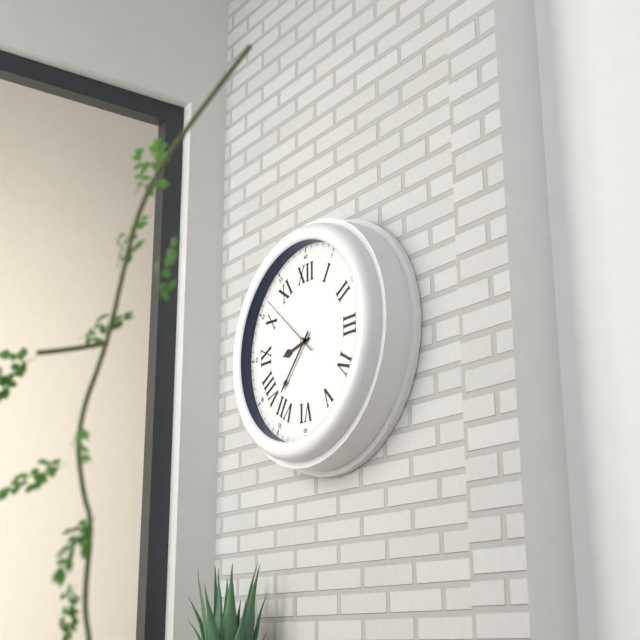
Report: h=8 m=37 s=52
